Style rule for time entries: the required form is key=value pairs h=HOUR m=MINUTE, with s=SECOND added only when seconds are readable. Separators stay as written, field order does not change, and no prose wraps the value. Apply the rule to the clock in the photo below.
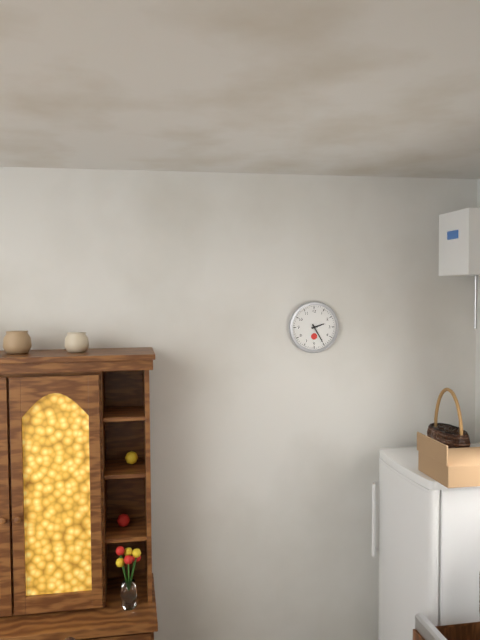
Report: h=2 m=25
